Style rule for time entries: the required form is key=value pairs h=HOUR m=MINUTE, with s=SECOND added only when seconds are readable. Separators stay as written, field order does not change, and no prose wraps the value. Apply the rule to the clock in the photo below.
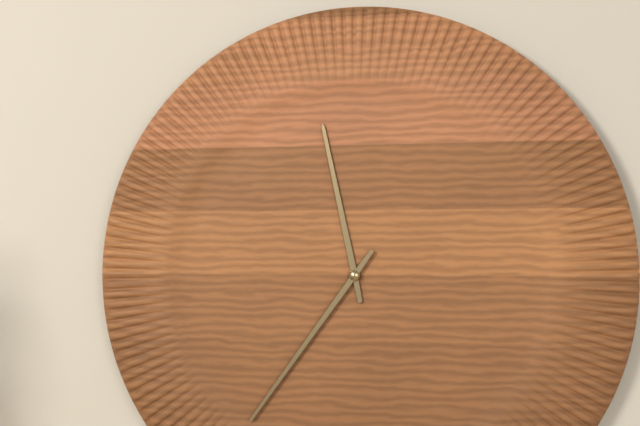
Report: h=11 m=36
